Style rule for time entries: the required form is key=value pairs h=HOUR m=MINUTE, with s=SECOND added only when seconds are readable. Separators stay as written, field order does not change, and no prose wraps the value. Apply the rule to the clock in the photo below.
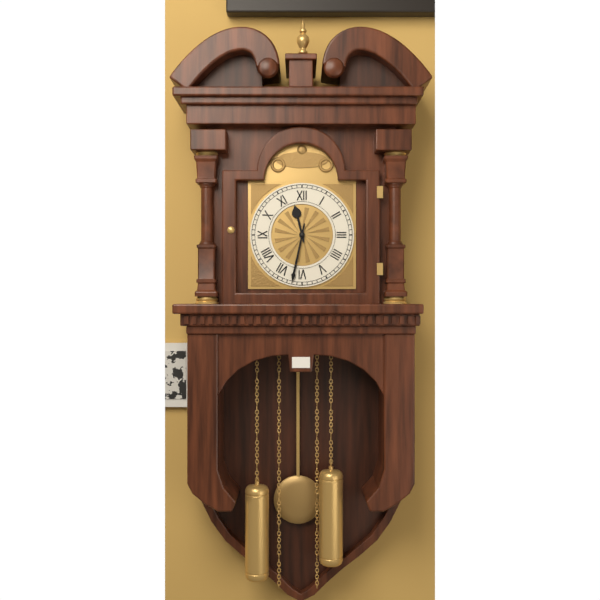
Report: h=11 m=32
